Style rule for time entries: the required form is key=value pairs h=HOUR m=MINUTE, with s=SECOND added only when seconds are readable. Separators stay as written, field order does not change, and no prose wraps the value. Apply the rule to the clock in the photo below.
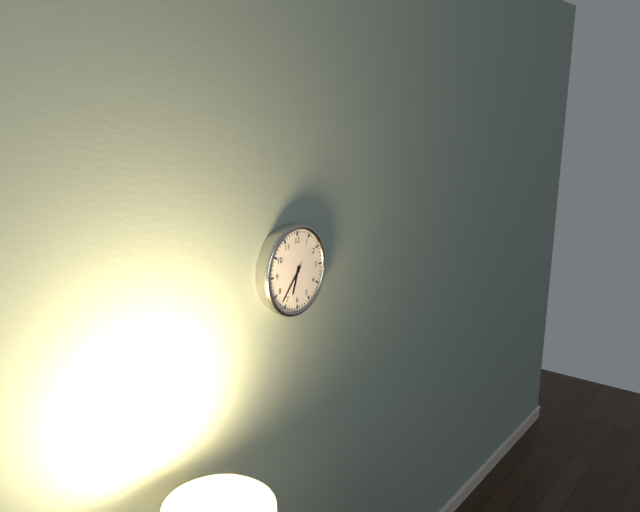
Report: h=6 m=37
